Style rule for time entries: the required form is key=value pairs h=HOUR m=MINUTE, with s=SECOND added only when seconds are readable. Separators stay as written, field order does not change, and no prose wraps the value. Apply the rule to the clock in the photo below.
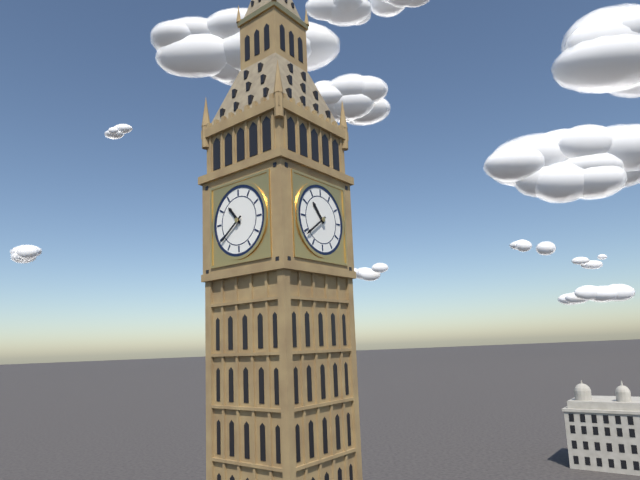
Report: h=10 m=39
